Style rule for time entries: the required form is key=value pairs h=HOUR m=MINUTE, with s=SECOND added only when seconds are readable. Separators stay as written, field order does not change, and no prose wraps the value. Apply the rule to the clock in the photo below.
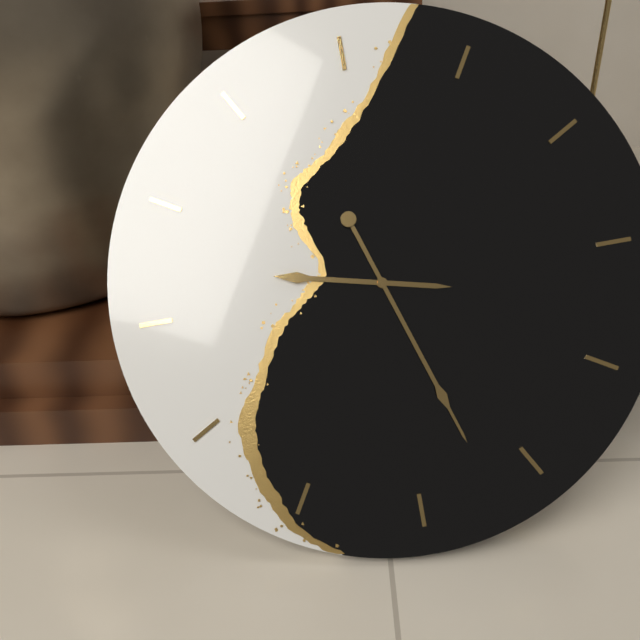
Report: h=9 m=27
